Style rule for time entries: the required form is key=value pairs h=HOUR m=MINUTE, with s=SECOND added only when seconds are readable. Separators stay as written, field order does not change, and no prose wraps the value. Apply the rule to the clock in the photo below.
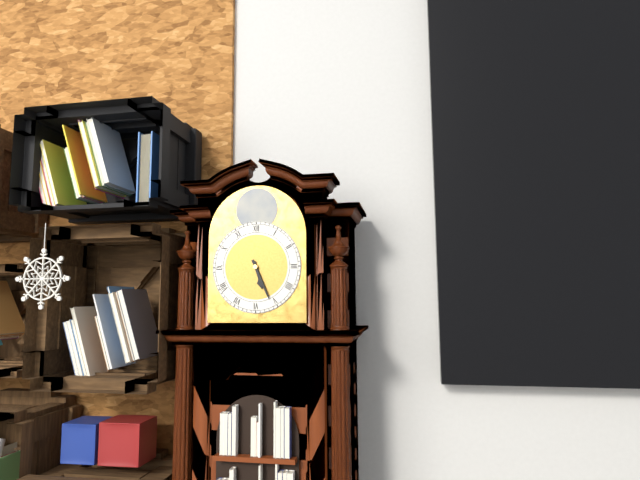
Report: h=5 m=26
